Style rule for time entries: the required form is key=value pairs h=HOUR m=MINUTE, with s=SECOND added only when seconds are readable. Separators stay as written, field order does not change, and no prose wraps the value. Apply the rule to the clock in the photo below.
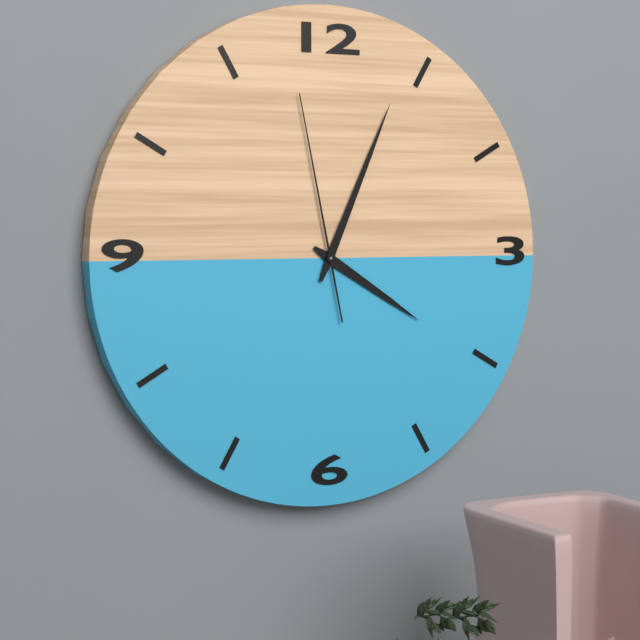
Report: h=4 m=4 s=58
